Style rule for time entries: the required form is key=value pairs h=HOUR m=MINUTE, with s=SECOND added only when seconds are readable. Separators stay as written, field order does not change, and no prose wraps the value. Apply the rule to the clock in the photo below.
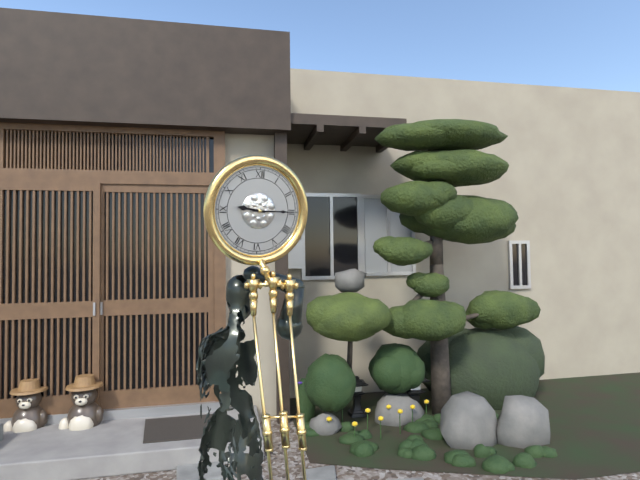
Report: h=9 m=15
